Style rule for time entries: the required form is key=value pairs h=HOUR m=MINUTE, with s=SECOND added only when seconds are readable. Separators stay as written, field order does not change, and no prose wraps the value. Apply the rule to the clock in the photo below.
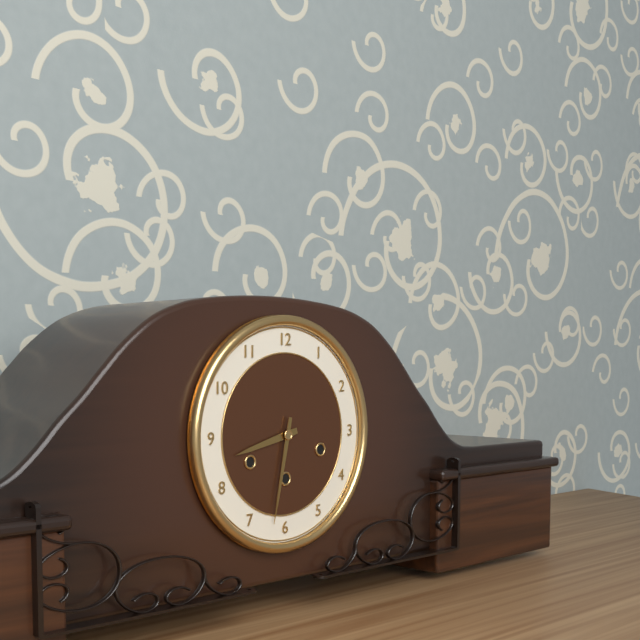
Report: h=8 m=32
